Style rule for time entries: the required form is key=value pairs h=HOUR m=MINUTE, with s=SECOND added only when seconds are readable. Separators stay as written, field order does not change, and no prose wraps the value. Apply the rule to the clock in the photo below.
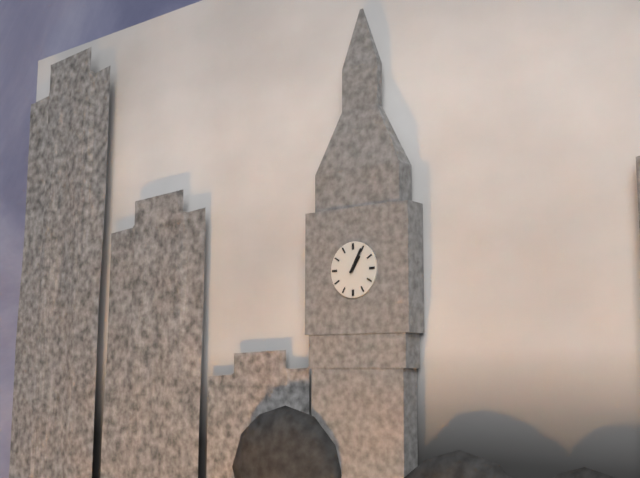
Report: h=1 m=5
